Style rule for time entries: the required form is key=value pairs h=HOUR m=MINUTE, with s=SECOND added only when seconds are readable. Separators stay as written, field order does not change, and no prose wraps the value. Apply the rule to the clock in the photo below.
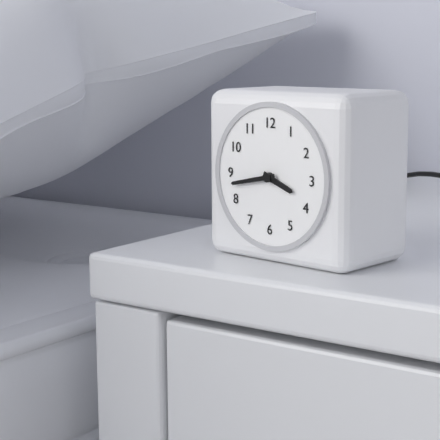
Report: h=3 m=43
